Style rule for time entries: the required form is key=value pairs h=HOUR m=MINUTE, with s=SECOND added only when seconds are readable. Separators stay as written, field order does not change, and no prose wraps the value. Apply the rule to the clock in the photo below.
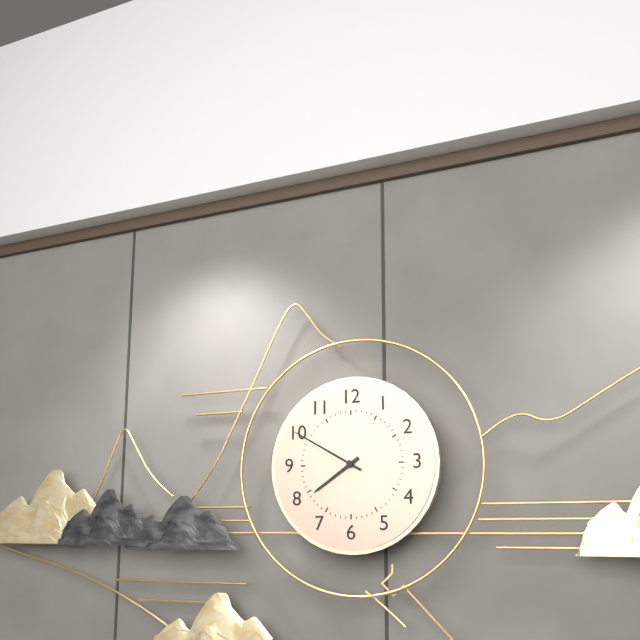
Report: h=7 m=50
